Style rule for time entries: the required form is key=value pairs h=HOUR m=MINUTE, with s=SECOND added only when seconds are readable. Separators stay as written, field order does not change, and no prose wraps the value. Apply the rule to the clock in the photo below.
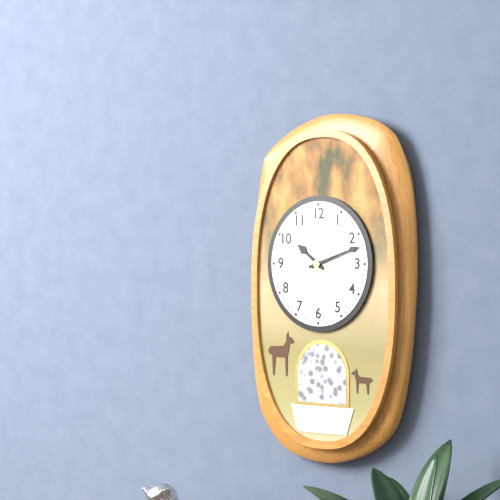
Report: h=10 m=12
